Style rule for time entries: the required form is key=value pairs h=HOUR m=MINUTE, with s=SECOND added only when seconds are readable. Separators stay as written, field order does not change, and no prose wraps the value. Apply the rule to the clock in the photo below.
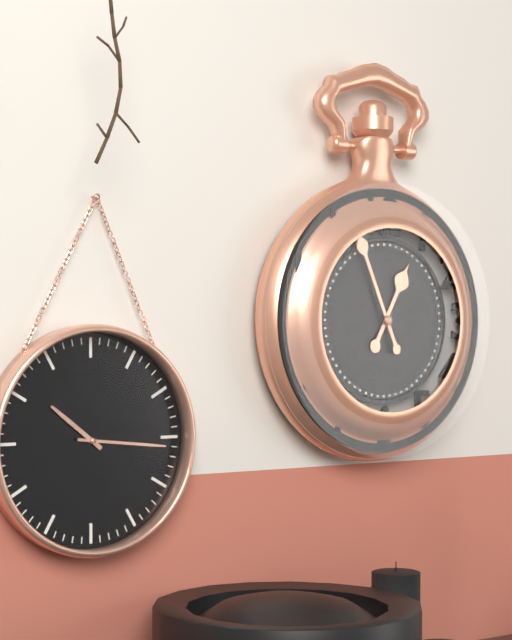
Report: h=12 m=56
